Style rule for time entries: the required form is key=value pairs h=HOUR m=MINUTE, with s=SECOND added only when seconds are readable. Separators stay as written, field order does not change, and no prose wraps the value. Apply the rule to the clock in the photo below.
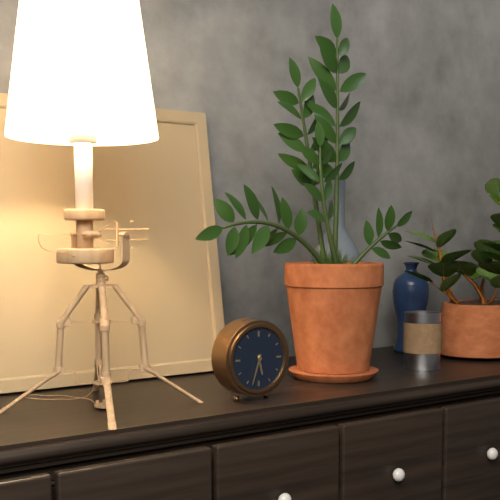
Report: h=5 m=33
